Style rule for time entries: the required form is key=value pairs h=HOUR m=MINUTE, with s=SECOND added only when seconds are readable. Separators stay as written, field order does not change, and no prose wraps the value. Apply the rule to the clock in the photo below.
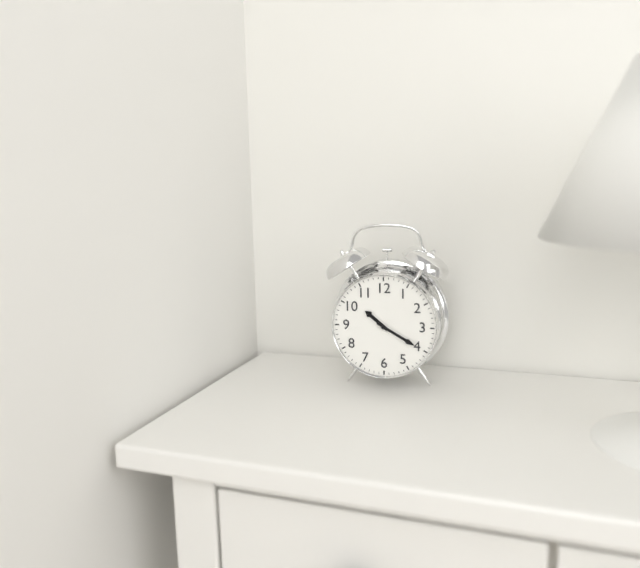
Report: h=10 m=20
